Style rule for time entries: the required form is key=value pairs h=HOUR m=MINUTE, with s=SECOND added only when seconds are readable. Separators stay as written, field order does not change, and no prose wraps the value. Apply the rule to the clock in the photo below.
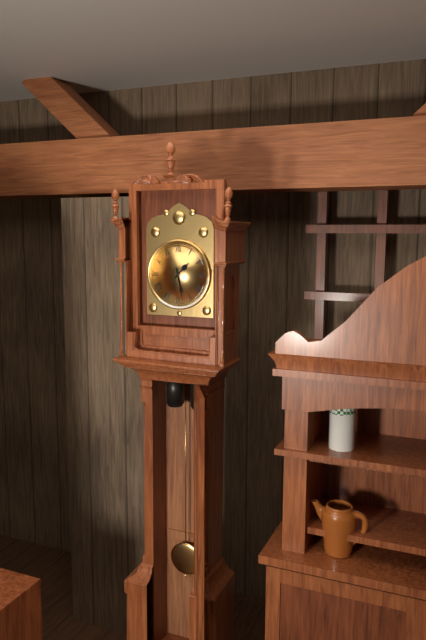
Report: h=1 m=28
